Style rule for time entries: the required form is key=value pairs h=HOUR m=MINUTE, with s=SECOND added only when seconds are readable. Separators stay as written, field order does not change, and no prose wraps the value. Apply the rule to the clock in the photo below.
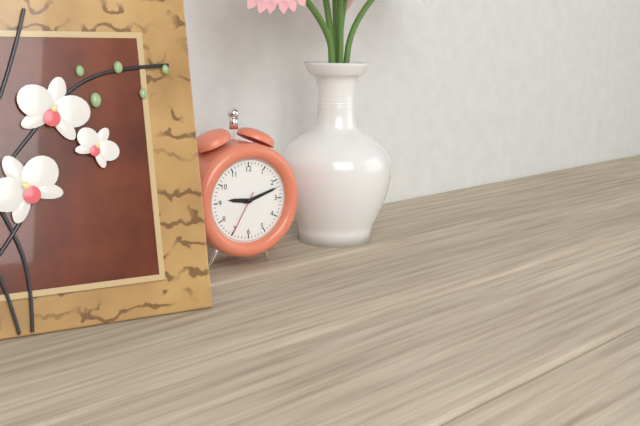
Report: h=9 m=12
